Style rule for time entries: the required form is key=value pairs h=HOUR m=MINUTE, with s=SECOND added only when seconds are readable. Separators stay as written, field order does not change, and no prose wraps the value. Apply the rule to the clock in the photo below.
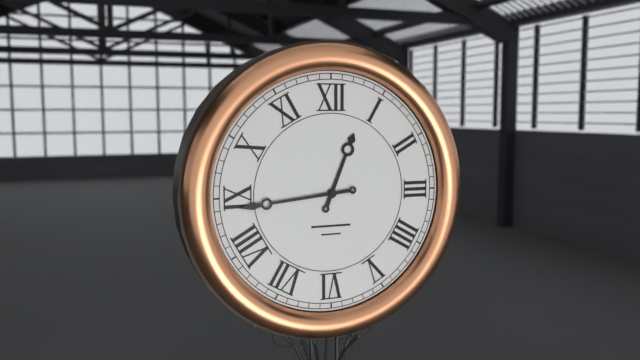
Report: h=12 m=44
